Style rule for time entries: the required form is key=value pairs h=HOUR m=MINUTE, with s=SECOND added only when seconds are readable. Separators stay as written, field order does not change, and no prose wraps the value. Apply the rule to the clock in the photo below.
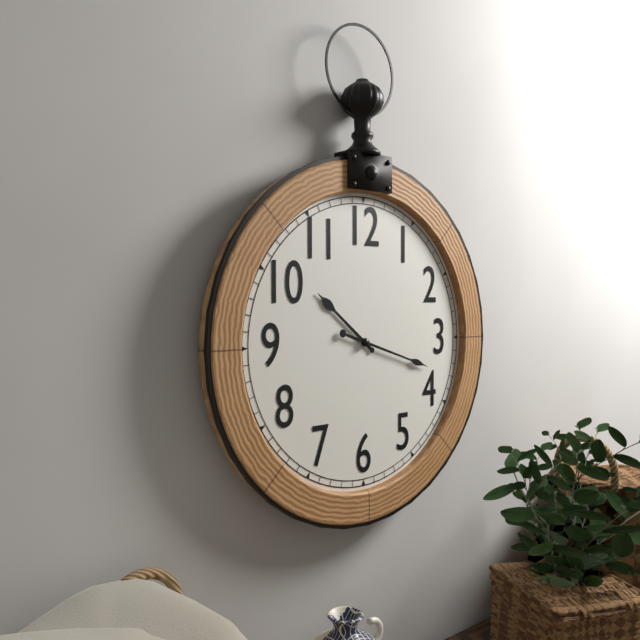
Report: h=10 m=18
